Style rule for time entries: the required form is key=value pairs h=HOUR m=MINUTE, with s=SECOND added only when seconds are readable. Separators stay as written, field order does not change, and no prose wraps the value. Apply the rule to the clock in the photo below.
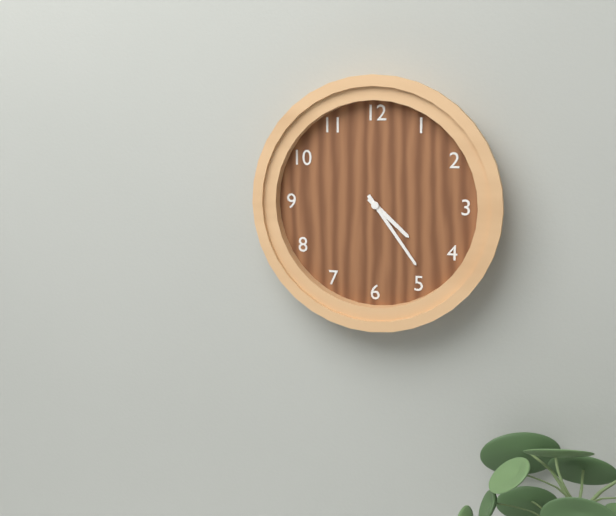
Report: h=4 m=24
